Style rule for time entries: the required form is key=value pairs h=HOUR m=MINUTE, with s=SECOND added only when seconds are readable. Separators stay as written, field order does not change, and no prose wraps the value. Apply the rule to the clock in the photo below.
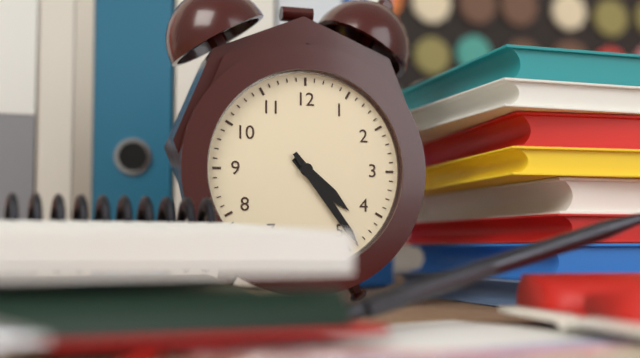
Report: h=4 m=24
